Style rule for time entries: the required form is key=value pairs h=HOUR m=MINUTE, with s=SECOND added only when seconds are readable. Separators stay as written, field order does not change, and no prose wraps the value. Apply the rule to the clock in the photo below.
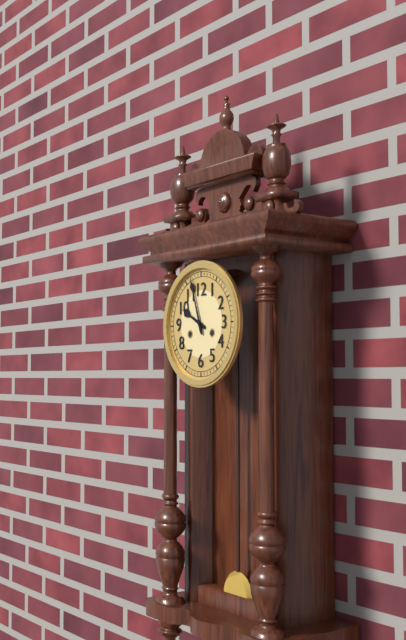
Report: h=9 m=57
